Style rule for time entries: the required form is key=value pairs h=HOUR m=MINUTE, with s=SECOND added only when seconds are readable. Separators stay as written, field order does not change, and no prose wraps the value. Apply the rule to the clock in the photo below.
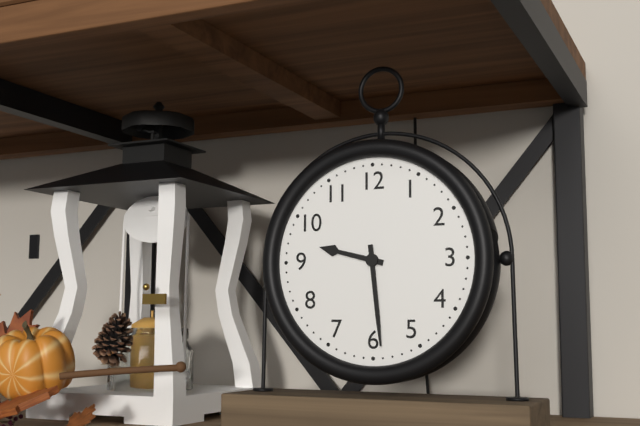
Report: h=9 m=29
